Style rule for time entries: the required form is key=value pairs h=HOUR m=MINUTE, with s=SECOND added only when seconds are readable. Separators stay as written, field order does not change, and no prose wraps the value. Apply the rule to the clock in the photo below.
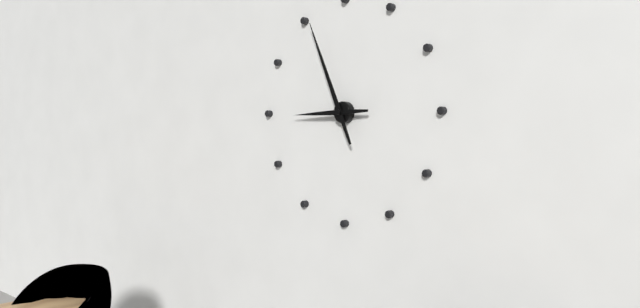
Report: h=8 m=56
